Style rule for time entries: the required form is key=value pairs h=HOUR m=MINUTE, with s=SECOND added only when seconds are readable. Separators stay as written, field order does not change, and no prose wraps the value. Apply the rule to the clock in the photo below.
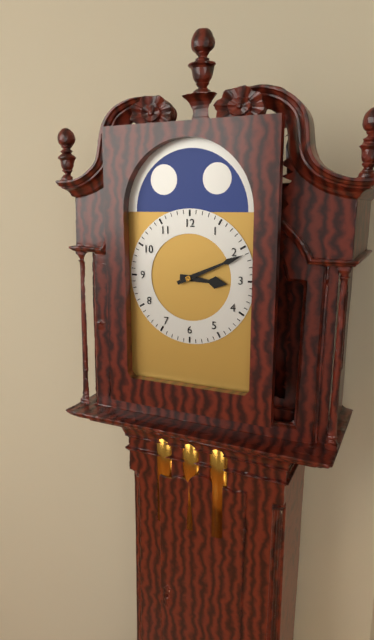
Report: h=3 m=11
